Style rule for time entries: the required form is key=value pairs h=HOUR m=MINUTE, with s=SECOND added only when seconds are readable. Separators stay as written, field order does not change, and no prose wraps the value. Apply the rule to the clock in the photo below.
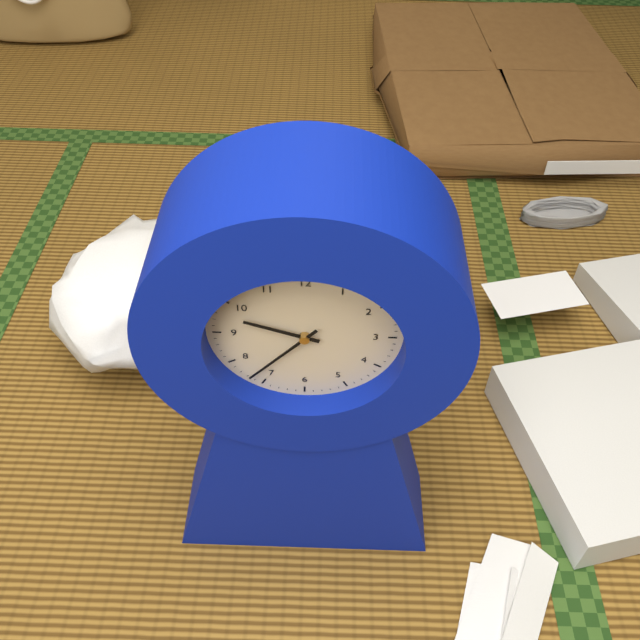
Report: h=9 m=37
